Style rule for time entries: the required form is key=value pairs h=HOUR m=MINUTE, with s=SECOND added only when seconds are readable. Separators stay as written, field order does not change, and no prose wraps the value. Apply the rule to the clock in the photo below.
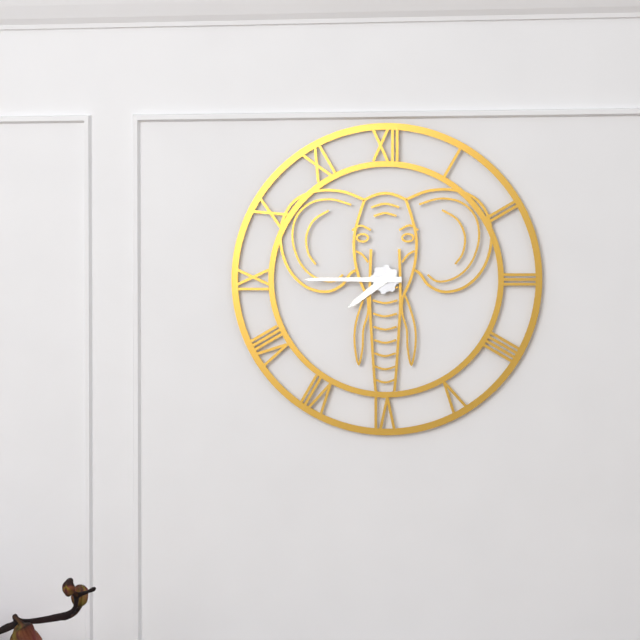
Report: h=7 m=45
